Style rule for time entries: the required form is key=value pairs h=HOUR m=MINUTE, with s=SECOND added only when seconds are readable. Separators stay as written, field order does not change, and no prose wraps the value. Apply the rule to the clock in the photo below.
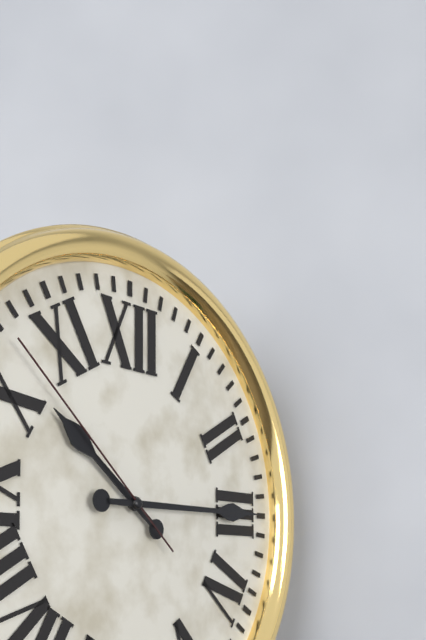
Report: h=10 m=15 s=52
